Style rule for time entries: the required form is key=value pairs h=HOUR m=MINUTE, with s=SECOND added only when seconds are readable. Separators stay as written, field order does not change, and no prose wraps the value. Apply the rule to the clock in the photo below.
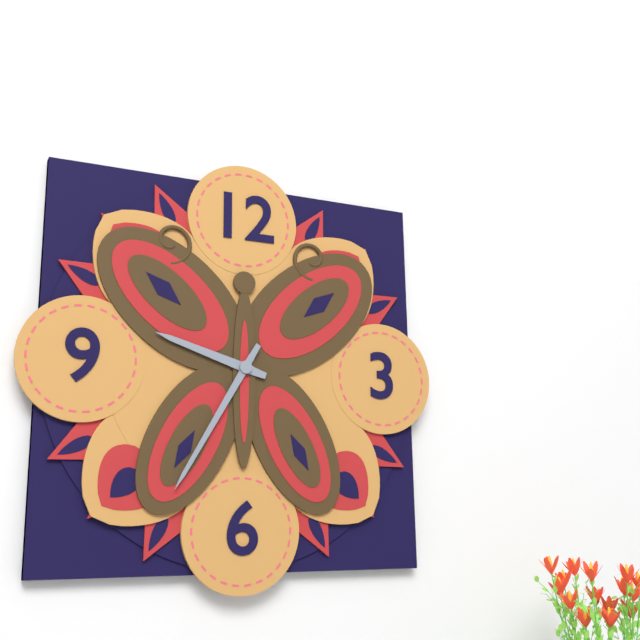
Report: h=9 m=35
